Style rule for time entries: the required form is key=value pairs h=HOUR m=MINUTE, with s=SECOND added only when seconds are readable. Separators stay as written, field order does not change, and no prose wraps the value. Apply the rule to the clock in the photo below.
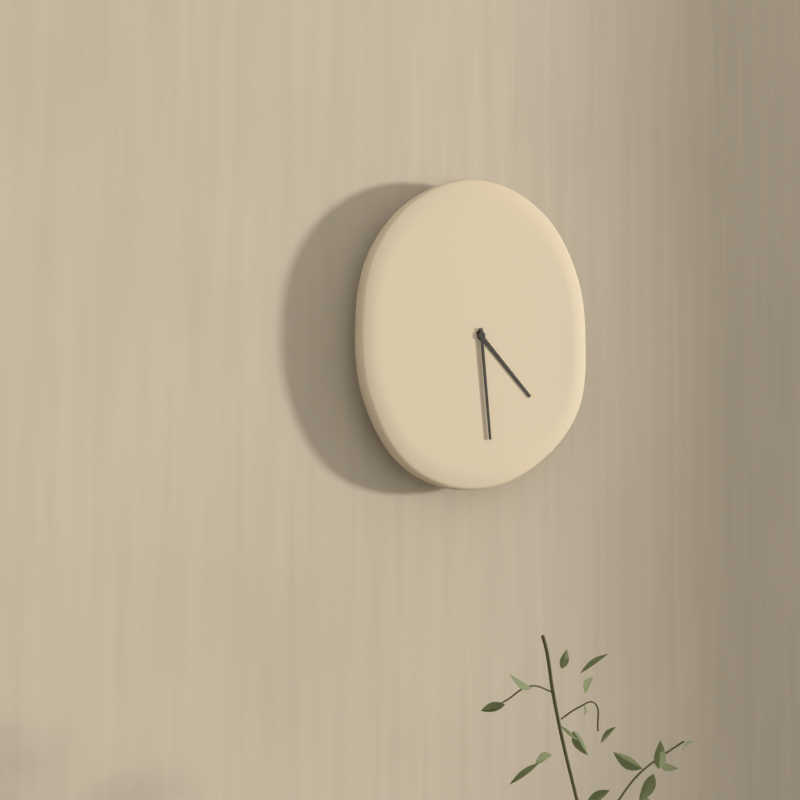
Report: h=4 m=29
